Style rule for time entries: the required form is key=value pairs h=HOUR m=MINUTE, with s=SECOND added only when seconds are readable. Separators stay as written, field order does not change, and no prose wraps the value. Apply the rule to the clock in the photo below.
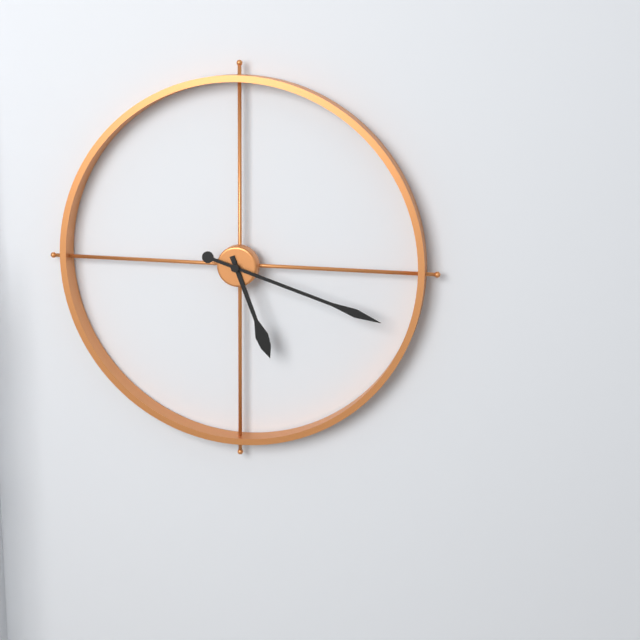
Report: h=5 m=18
